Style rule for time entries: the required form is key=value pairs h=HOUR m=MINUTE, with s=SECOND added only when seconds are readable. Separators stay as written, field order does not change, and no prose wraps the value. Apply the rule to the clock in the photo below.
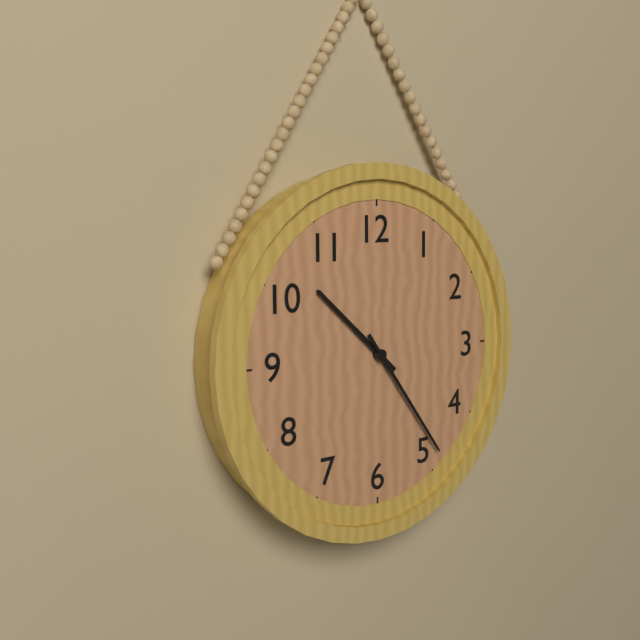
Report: h=10 m=24
